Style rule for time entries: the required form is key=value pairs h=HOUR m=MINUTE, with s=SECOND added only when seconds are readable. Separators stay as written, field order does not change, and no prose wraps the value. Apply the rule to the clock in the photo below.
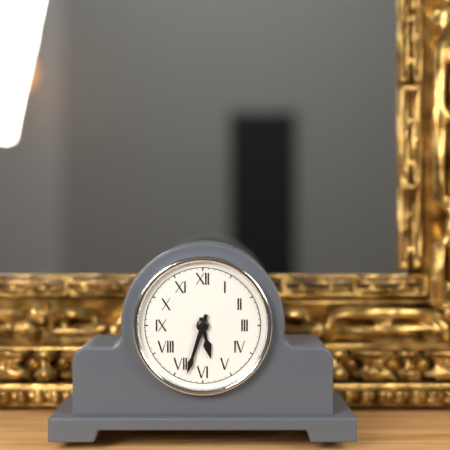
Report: h=5 m=33
